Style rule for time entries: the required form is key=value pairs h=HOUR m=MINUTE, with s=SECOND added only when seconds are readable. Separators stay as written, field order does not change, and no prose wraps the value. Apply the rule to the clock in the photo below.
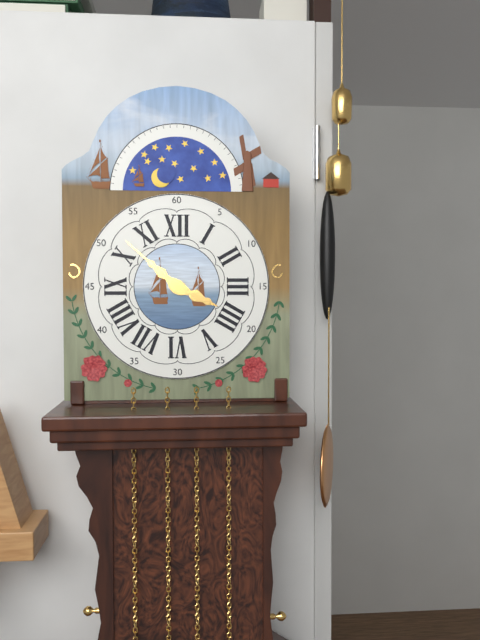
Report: h=3 m=52
